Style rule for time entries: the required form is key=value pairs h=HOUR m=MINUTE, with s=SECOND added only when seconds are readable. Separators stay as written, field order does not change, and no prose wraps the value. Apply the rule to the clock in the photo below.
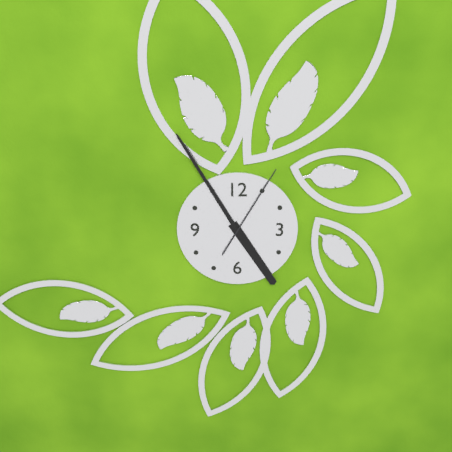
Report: h=4 m=55 s=5
